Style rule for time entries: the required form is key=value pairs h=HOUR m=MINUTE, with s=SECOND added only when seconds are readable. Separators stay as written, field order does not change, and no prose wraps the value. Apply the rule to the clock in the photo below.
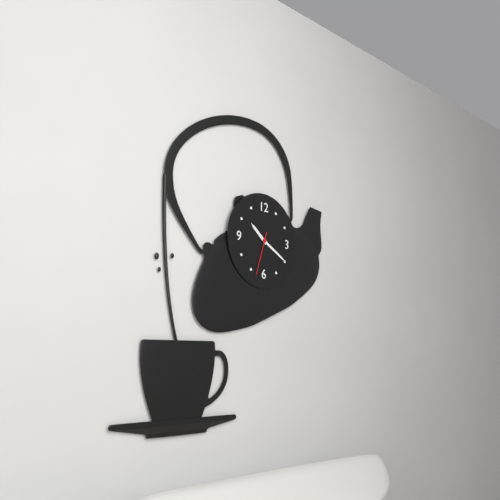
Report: h=10 m=20
